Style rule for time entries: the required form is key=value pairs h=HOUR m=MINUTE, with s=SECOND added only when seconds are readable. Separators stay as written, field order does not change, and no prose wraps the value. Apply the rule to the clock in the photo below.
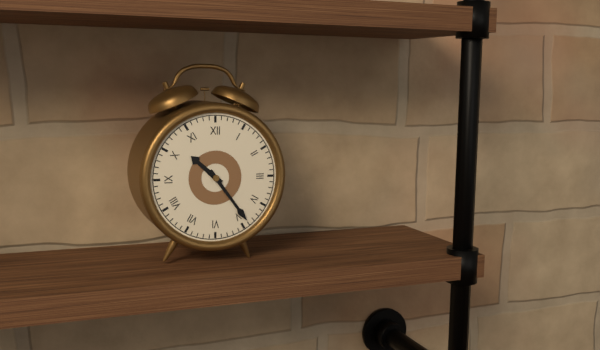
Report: h=10 m=24
